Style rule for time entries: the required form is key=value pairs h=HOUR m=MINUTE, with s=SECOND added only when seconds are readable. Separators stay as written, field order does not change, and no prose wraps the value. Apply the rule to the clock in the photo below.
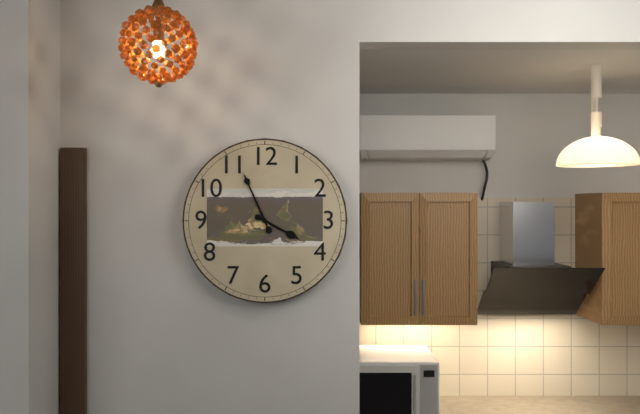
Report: h=3 m=56
